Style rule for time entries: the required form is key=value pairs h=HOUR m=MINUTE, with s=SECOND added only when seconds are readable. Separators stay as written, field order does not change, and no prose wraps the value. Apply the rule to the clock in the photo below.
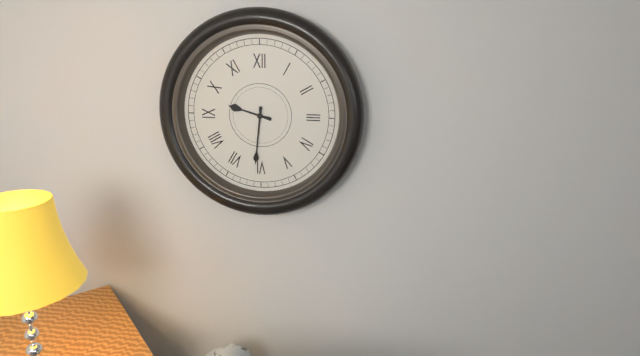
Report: h=9 m=31
